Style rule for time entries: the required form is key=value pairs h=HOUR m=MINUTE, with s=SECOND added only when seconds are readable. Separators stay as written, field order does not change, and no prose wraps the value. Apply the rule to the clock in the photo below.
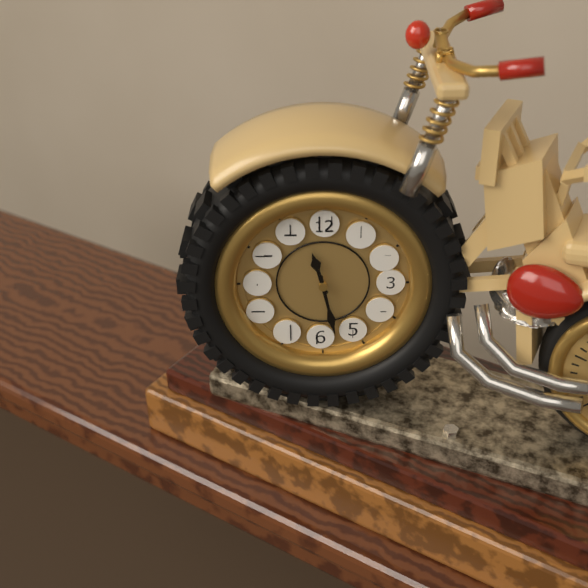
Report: h=11 m=28
